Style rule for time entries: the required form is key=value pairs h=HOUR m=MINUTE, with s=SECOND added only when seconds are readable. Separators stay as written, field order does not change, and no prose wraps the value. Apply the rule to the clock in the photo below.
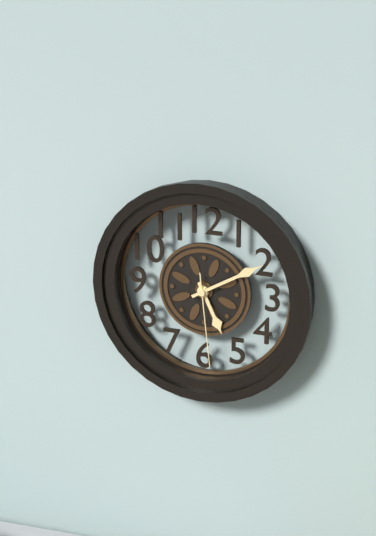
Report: h=5 m=10 s=29
